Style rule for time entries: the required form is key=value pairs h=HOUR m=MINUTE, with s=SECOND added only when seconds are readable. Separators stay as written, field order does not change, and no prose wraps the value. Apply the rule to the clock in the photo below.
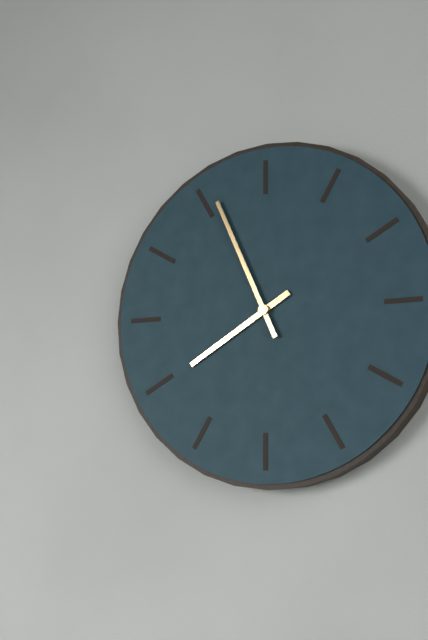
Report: h=7 m=56
